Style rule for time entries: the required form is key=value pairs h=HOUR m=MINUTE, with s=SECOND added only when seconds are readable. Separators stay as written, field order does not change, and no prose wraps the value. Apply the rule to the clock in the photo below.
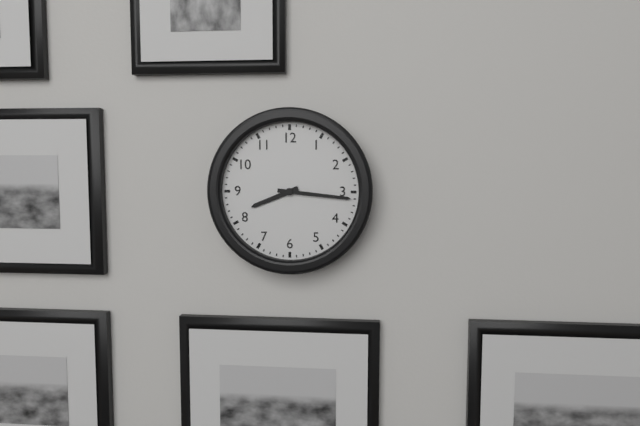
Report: h=8 m=16
